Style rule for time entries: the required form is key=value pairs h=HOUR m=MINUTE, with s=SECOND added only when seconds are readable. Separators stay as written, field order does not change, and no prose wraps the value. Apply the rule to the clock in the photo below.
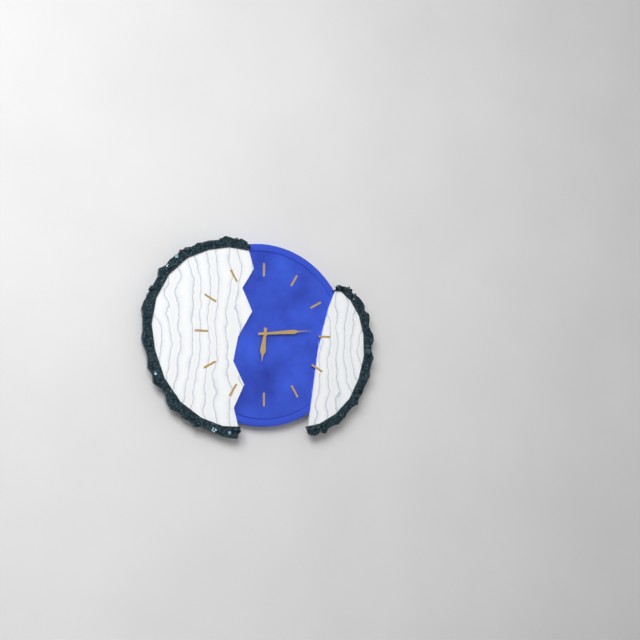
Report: h=6 m=14
